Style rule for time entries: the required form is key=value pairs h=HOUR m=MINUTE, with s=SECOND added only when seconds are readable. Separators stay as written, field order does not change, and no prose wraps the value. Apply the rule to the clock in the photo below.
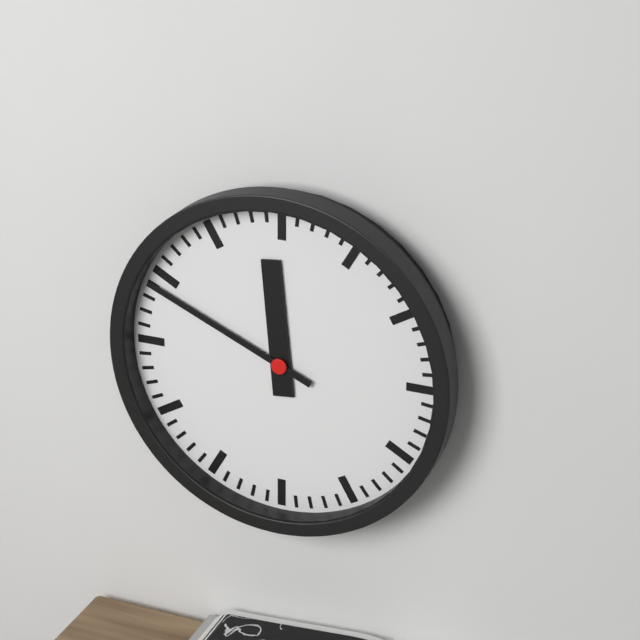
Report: h=11 m=49
